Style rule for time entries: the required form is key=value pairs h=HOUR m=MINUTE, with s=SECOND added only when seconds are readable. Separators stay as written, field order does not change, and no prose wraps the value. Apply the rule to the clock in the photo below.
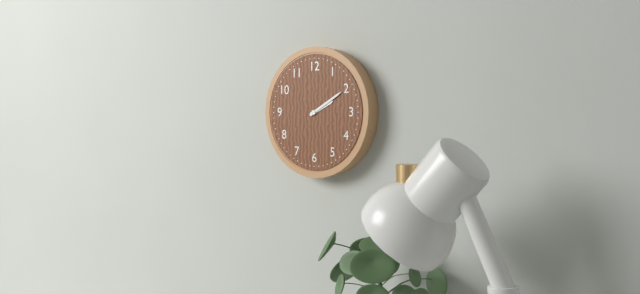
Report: h=2 m=10
